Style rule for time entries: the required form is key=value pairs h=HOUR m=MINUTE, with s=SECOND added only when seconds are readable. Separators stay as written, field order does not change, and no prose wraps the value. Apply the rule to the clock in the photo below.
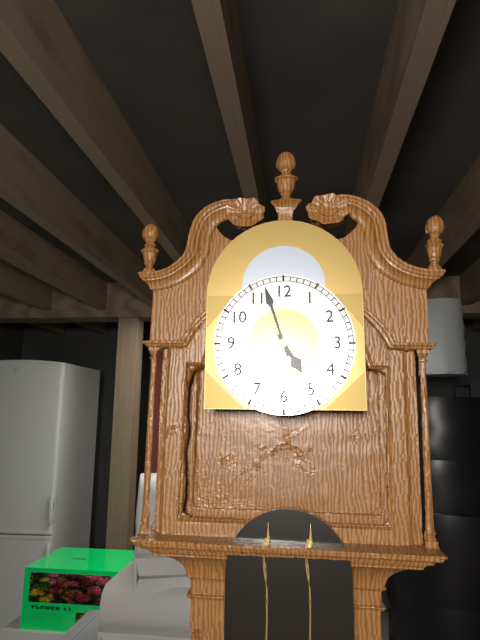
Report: h=4 m=57
